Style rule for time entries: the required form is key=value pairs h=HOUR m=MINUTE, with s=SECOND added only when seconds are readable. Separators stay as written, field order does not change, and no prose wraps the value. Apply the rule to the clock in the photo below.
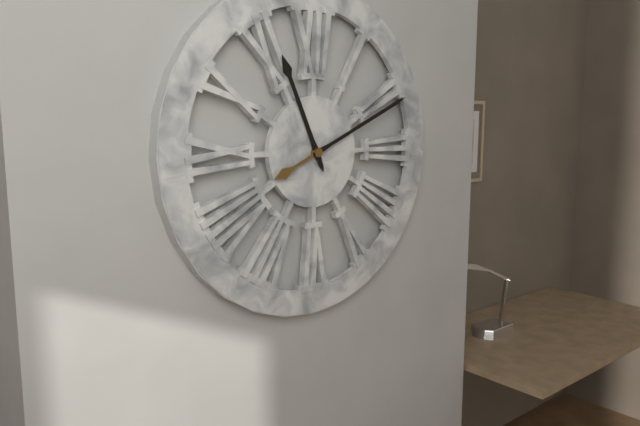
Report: h=11 m=11
